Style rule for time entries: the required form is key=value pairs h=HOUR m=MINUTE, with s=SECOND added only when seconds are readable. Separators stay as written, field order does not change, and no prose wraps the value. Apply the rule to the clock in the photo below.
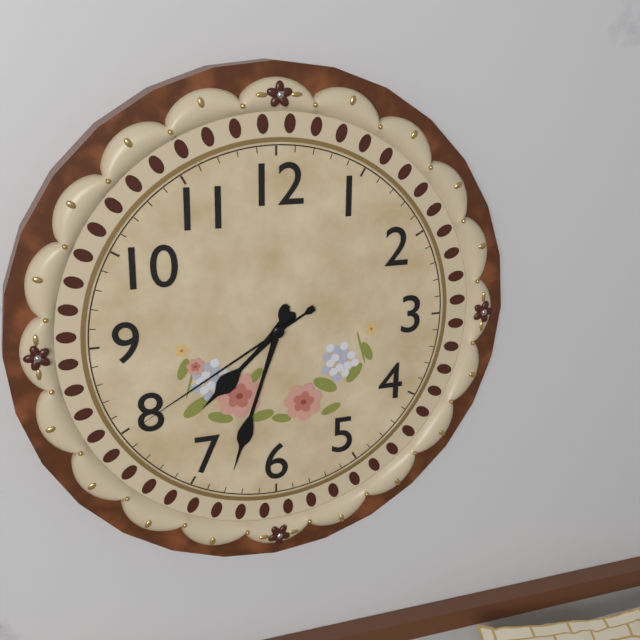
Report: h=7 m=33 s=40
